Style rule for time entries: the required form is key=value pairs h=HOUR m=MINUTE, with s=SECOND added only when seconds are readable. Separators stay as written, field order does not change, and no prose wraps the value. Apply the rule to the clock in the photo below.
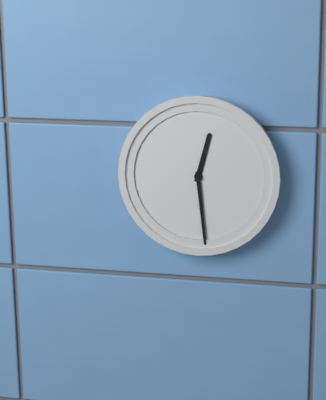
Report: h=12 m=29
